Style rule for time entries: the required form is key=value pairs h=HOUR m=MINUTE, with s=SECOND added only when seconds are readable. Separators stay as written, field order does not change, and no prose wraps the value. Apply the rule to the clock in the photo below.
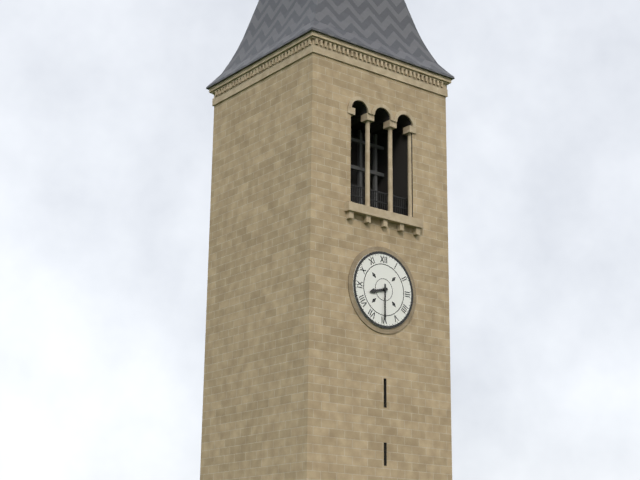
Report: h=8 m=30
